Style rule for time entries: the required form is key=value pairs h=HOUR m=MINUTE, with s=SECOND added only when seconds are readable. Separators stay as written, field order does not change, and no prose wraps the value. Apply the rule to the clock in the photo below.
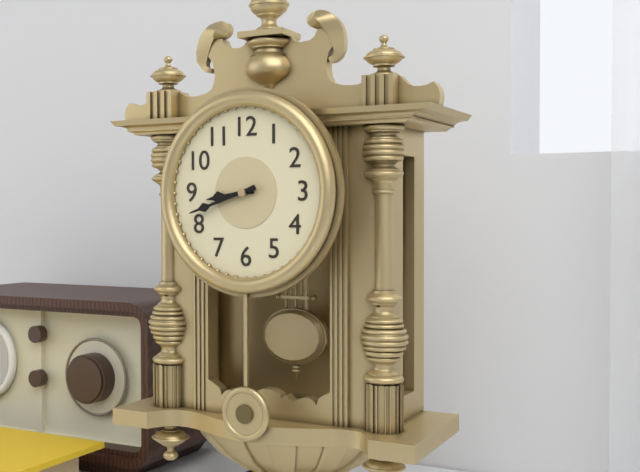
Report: h=8 m=42
